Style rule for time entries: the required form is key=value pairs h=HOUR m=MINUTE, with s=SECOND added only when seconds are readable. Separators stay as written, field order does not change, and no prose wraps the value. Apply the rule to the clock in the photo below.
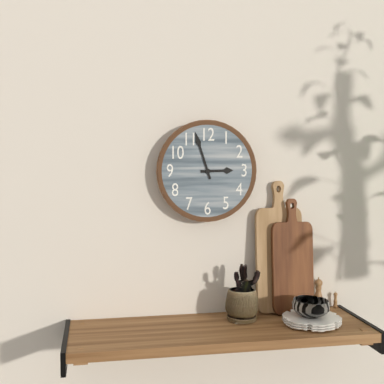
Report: h=2 m=57
